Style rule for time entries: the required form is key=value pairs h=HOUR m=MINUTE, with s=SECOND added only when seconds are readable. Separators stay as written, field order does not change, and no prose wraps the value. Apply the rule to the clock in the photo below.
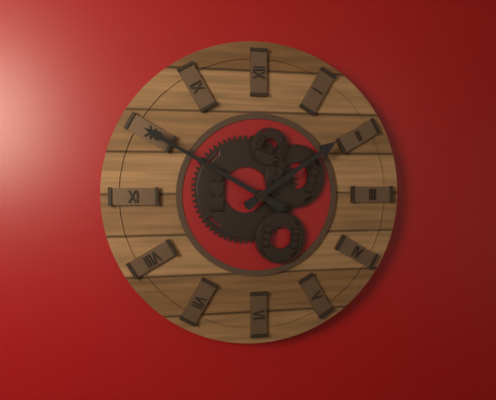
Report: h=1 m=50
